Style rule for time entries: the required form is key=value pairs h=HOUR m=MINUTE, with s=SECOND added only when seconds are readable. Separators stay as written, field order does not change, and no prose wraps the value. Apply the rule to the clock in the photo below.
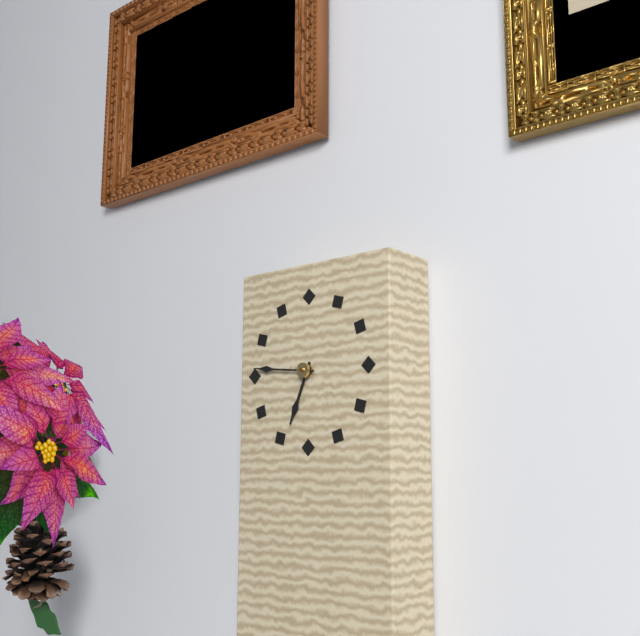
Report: h=6 m=46
